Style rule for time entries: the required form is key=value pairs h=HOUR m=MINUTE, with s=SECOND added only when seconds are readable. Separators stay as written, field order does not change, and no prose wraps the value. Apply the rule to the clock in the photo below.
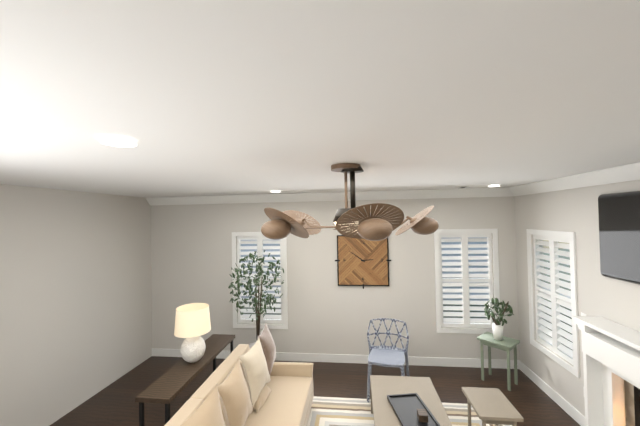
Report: h=2 m=51
